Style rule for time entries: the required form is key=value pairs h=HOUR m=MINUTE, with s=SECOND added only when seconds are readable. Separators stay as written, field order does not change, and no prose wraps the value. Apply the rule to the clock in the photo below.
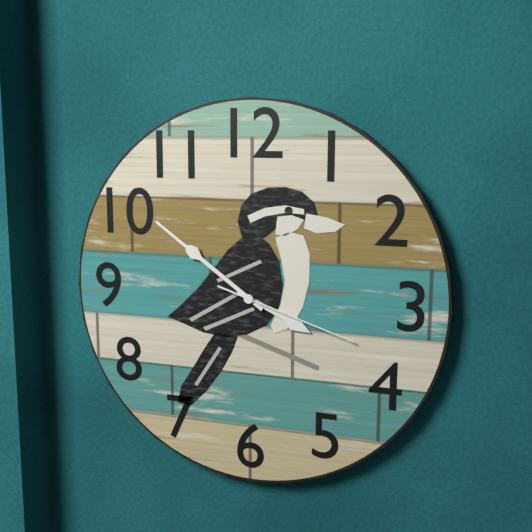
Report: h=3 m=51 s=18
